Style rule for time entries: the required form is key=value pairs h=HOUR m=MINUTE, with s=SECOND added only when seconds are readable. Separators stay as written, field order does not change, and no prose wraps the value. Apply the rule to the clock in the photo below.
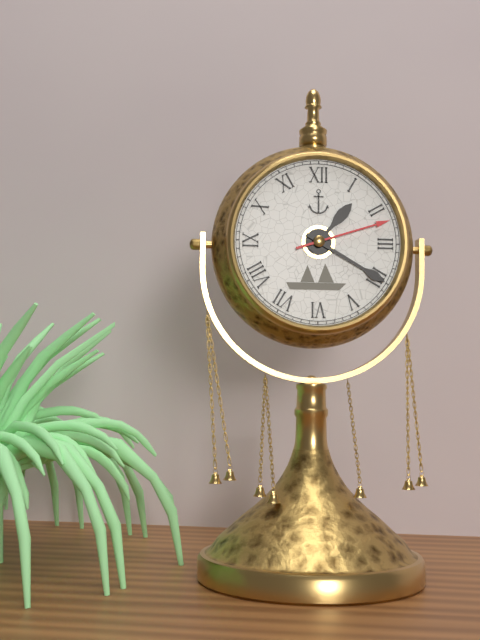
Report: h=1 m=20 s=12
